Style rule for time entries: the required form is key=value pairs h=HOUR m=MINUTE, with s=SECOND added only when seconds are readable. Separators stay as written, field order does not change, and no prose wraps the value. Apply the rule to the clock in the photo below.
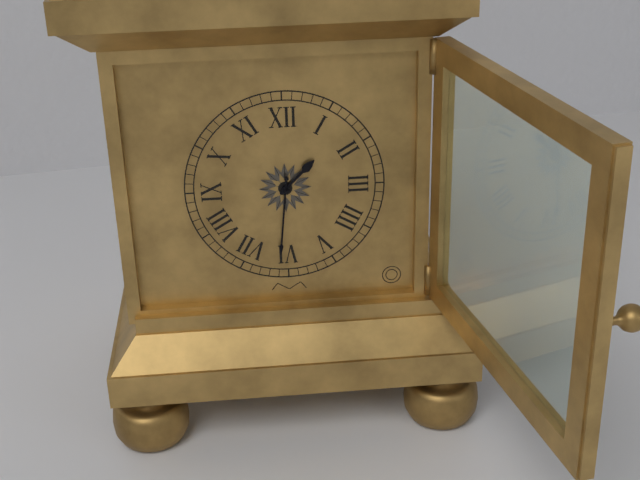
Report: h=1 m=31
